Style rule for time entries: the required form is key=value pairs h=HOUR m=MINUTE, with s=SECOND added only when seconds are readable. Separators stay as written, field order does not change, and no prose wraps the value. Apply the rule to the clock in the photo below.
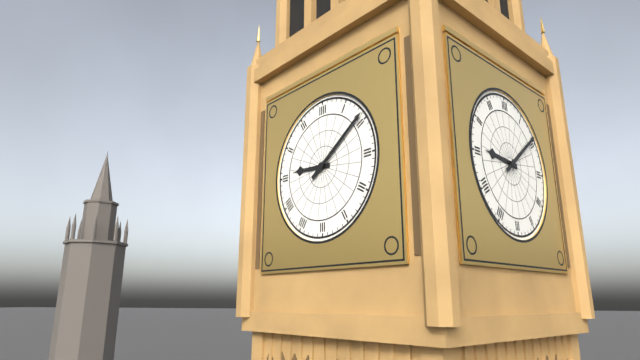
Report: h=9 m=9
